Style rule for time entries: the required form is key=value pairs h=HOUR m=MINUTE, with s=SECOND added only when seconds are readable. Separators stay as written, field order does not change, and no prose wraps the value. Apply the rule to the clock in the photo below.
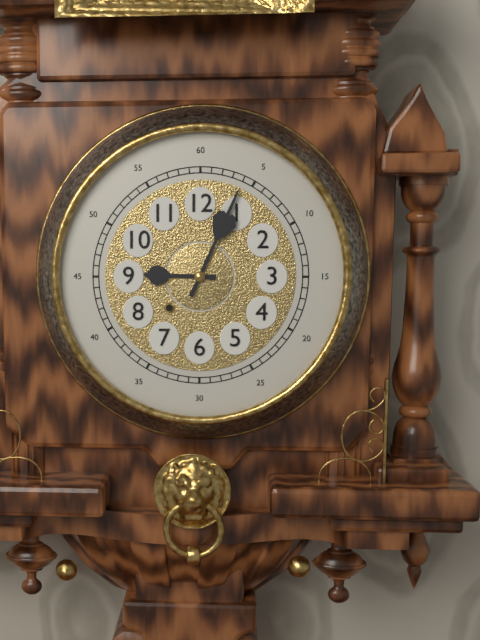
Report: h=9 m=4
